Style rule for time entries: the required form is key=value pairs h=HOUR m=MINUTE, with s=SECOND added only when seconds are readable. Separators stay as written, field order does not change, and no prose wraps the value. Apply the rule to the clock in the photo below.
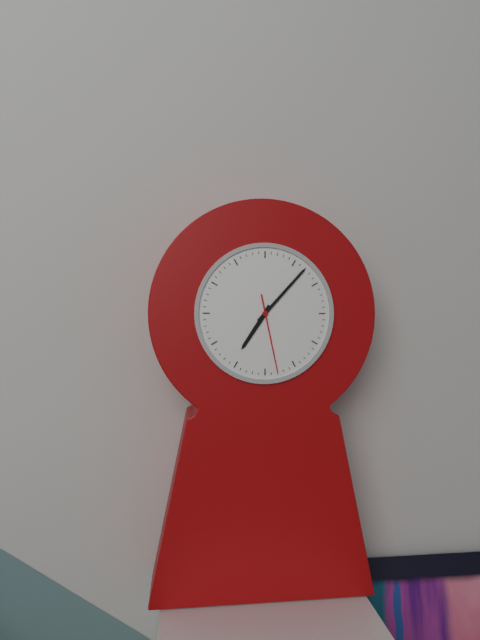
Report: h=7 m=7 s=28
